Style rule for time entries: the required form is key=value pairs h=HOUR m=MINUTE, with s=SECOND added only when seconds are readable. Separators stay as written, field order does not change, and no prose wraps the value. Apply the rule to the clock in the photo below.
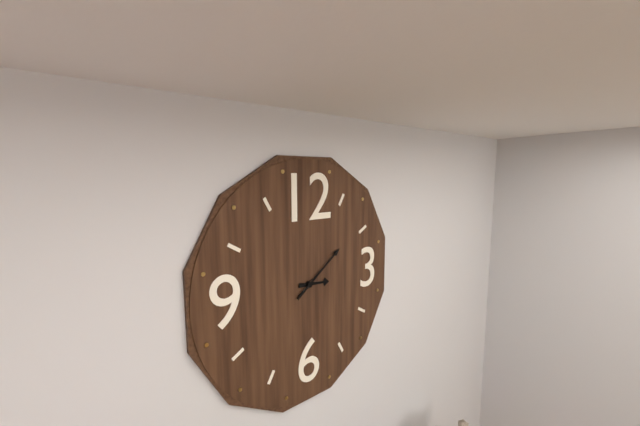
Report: h=3 m=9
